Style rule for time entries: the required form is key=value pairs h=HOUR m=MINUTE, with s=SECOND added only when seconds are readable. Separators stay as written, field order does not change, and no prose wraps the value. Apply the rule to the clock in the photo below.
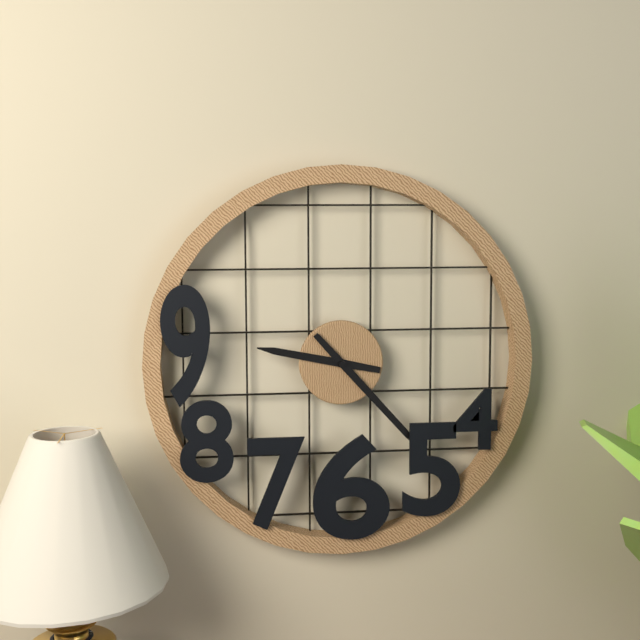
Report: h=9 m=23
